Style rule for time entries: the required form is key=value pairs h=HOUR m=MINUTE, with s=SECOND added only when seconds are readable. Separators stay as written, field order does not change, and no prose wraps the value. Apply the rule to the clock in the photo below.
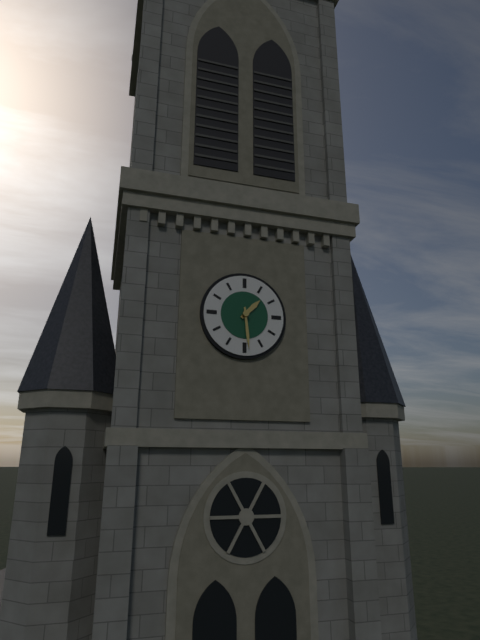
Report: h=1 m=29
